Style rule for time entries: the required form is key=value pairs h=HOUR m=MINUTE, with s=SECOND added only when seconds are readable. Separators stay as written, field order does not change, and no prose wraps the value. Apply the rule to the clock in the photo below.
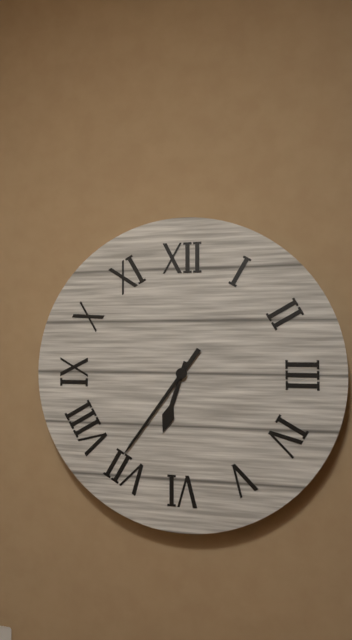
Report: h=6 m=36
